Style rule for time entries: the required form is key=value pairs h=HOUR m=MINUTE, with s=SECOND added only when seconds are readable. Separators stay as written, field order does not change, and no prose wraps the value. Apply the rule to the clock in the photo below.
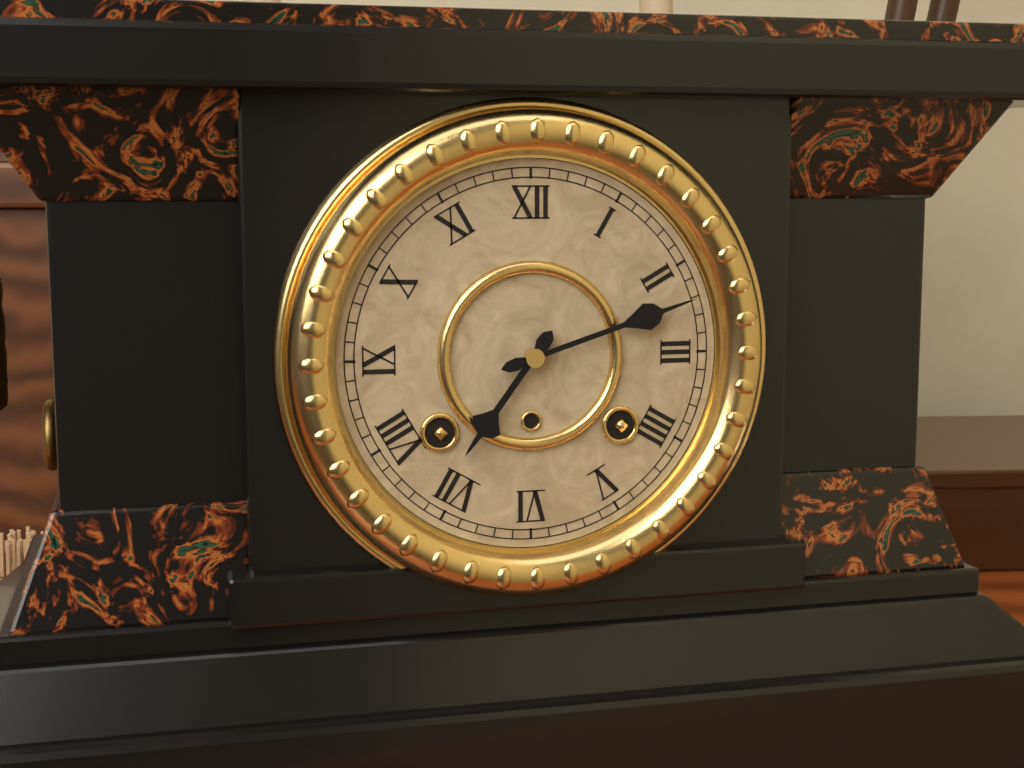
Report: h=7 m=12
